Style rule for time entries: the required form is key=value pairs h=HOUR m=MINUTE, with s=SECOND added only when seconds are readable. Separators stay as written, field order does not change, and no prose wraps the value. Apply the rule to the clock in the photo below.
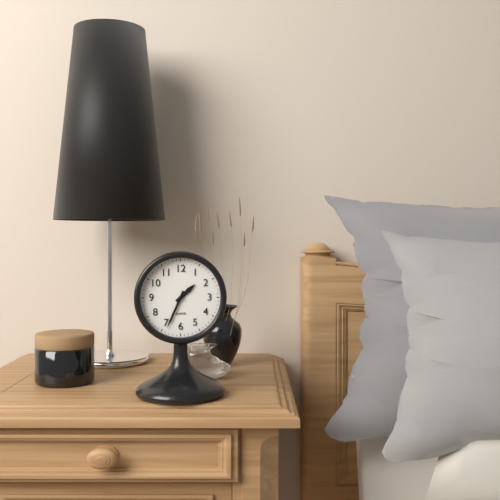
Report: h=1 m=34
